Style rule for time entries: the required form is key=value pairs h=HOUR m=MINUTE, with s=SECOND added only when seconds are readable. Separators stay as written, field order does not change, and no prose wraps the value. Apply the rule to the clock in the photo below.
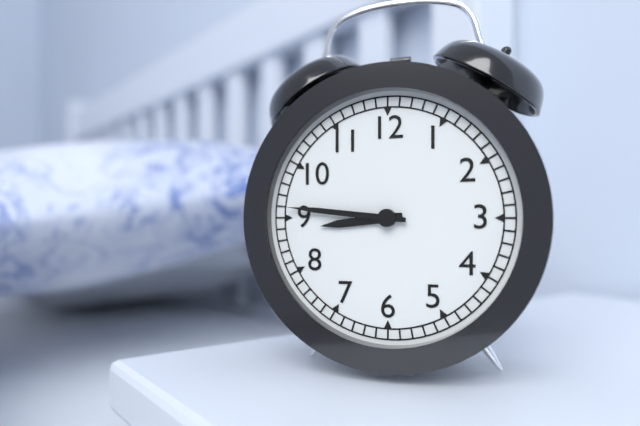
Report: h=8 m=46
